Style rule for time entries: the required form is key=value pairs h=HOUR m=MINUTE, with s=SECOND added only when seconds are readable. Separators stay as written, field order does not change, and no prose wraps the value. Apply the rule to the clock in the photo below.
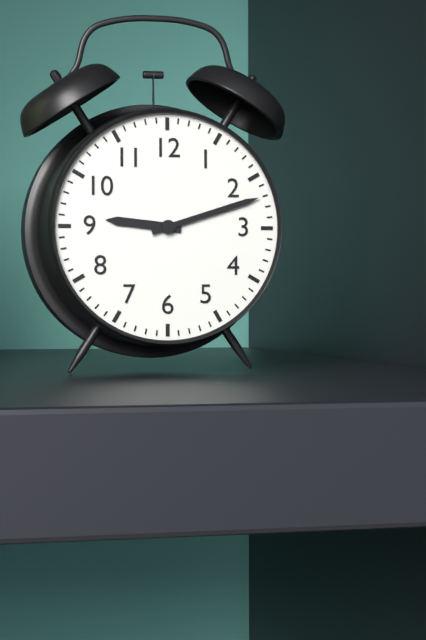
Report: h=9 m=12
